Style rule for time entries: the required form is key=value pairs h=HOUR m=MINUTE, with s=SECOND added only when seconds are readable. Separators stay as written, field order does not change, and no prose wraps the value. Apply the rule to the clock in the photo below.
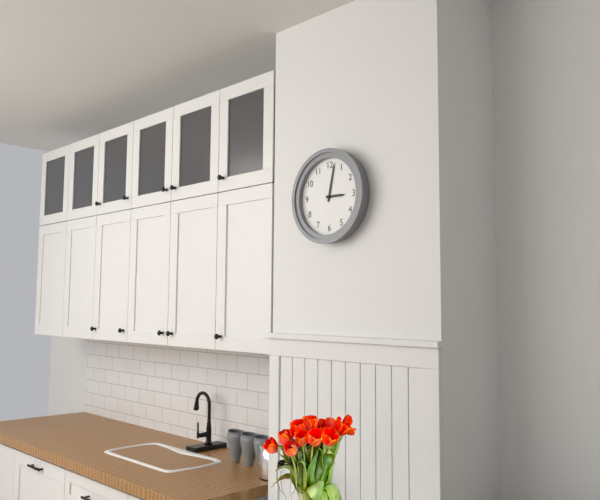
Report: h=3 m=2
